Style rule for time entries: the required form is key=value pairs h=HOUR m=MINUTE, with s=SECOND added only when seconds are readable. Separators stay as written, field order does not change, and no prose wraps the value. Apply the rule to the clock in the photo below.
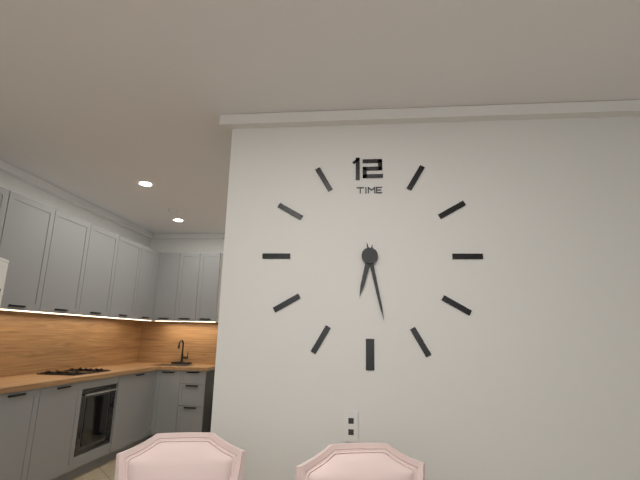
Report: h=6 m=28
